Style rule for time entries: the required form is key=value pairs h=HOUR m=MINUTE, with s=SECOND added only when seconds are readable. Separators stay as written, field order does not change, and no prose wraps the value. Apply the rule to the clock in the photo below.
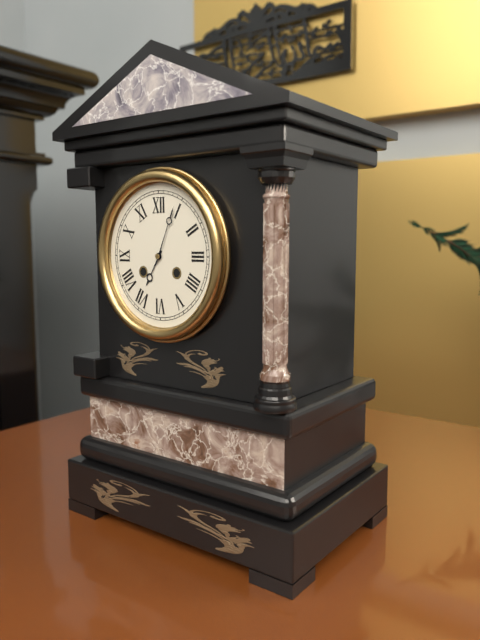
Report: h=7 m=4
